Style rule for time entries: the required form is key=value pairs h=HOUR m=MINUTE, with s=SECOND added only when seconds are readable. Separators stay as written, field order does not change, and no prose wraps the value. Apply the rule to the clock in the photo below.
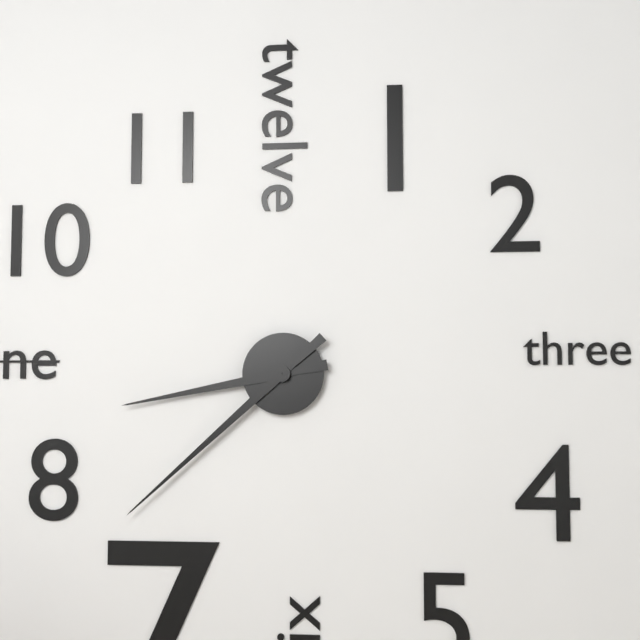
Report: h=8 m=38
